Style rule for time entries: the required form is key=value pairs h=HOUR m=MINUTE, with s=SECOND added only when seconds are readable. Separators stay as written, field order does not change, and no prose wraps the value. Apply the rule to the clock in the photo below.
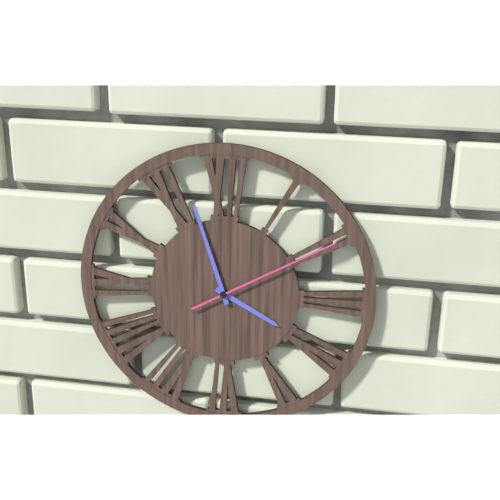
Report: h=3 m=57 s=10
